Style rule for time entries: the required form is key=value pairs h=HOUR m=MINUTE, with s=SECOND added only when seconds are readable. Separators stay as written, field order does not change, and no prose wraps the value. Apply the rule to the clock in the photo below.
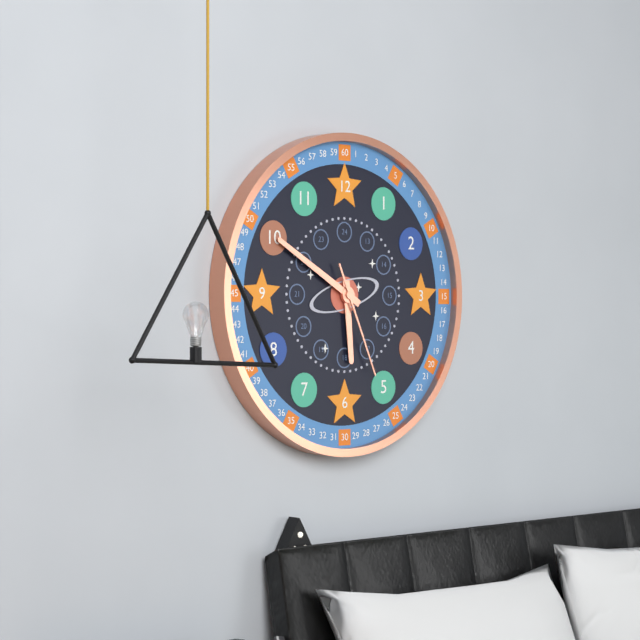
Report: h=5 m=50 s=26
